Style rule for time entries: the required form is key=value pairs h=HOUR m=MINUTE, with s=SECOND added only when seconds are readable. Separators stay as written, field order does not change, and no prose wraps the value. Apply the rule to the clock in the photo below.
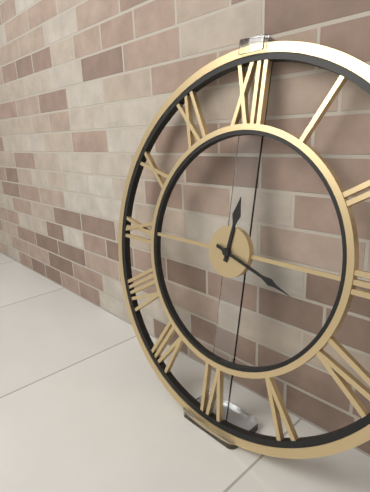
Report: h=12 m=18
